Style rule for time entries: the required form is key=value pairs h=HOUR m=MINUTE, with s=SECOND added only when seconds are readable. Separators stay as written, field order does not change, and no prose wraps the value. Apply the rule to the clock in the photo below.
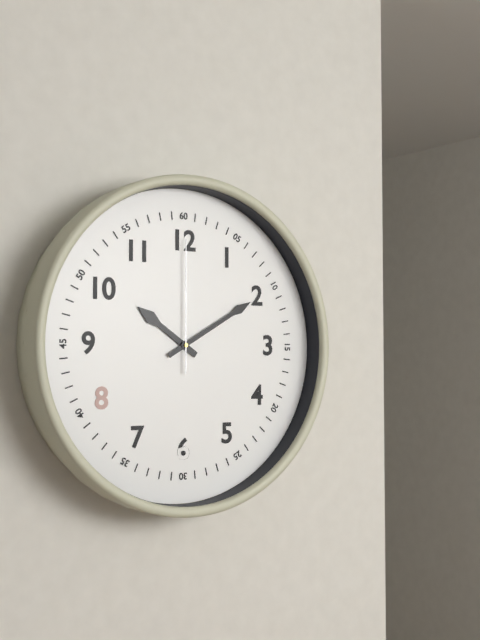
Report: h=10 m=10 s=0
